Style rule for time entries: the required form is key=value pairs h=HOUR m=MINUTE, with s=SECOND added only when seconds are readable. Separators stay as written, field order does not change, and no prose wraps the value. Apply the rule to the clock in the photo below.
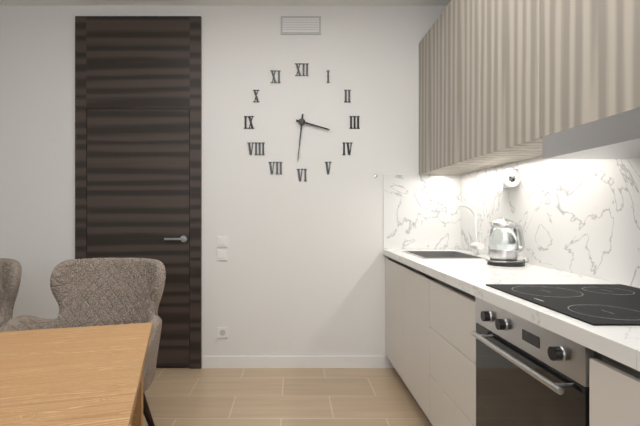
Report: h=3 m=31
